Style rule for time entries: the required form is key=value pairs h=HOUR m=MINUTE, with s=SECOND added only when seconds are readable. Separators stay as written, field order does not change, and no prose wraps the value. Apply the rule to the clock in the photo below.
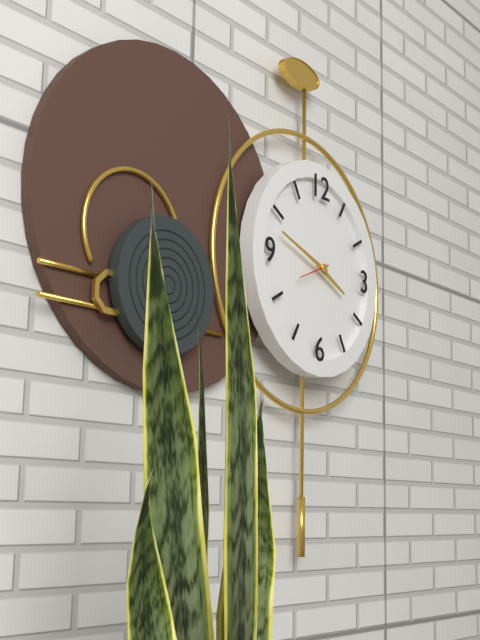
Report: h=3 m=48
